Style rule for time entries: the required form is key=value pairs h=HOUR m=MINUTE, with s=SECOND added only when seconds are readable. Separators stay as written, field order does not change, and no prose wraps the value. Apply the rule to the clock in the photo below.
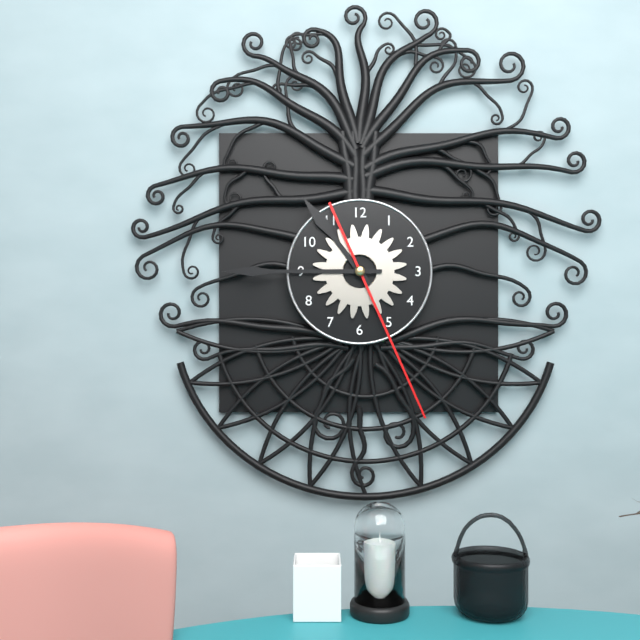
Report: h=10 m=45 s=26
